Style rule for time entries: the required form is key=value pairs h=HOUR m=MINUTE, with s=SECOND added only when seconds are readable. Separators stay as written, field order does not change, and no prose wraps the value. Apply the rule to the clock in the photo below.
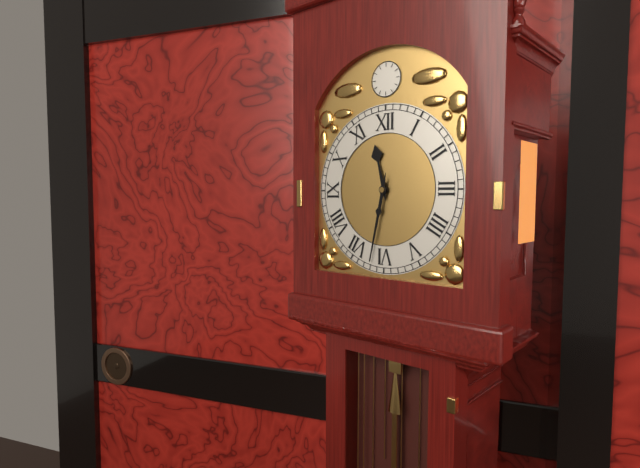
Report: h=11 m=32
